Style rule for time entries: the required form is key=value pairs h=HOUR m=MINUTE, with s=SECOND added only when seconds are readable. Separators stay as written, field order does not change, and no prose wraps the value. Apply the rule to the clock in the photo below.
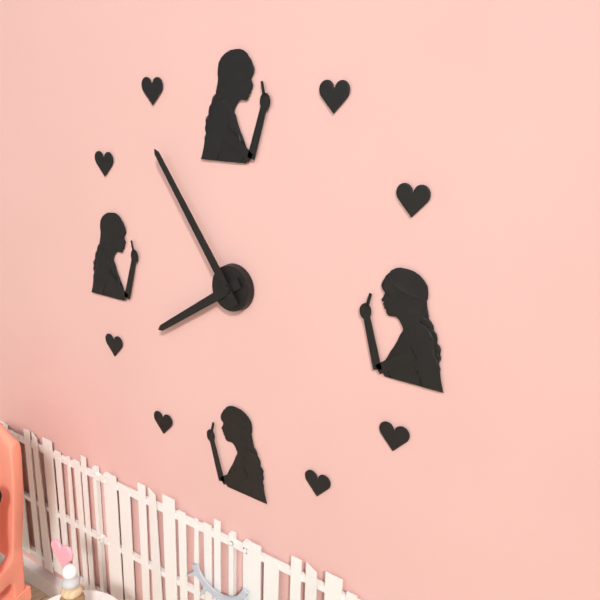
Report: h=7 m=54
